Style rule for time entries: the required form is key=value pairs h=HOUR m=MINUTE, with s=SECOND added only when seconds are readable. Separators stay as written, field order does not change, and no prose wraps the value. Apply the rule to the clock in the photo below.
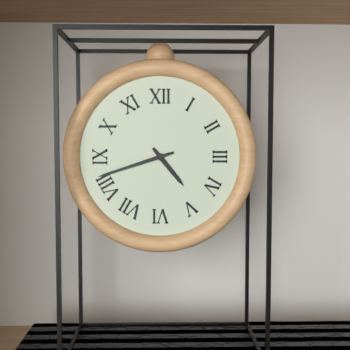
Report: h=4 m=42
